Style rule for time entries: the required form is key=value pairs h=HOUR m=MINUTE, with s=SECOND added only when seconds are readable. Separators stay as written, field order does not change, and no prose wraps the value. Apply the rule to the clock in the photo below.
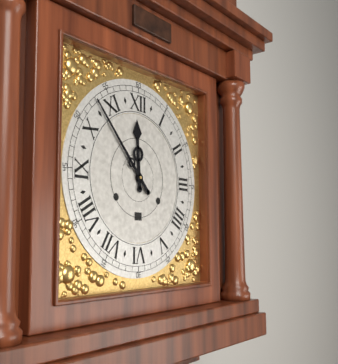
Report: h=11 m=53
